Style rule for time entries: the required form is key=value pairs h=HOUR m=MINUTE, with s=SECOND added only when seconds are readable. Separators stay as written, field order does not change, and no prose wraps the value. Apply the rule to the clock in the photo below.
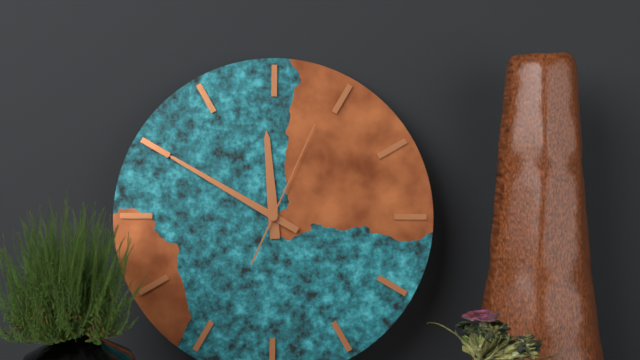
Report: h=11 m=50 s=4
